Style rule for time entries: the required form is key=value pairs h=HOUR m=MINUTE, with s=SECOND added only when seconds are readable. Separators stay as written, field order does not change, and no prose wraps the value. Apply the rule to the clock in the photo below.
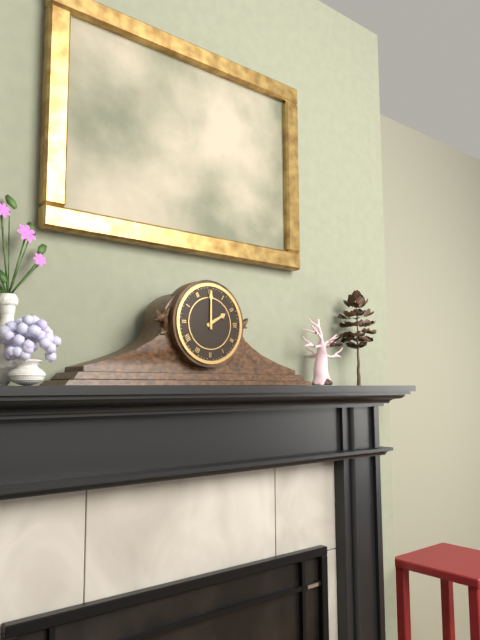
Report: h=2 m=0
